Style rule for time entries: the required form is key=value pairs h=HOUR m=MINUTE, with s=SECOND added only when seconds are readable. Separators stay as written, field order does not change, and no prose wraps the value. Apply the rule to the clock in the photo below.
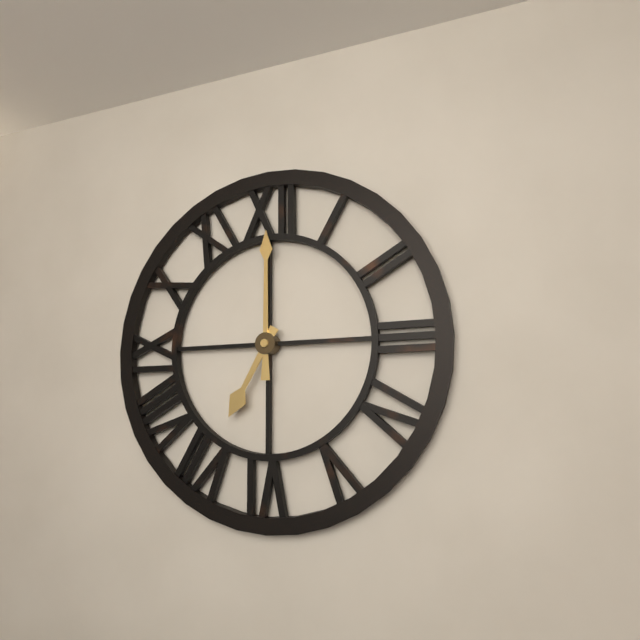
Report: h=7 m=0
